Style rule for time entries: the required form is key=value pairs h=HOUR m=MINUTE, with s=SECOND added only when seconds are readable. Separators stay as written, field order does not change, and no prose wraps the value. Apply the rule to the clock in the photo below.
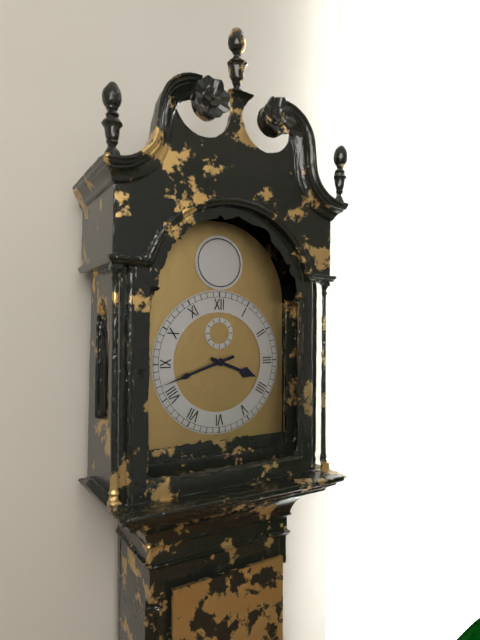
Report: h=3 m=42
